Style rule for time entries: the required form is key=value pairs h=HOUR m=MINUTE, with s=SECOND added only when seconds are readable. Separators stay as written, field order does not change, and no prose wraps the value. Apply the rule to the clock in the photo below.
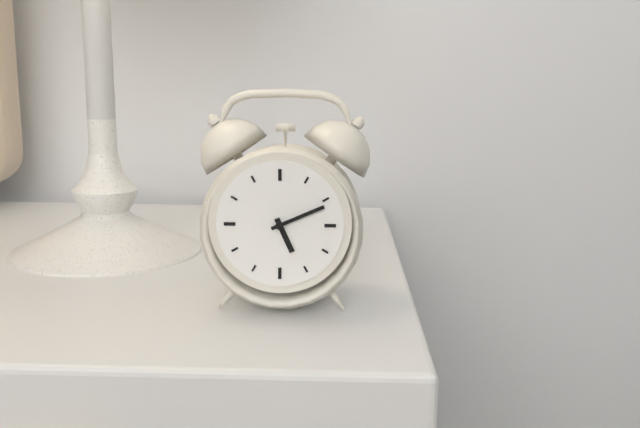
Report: h=5 m=11
